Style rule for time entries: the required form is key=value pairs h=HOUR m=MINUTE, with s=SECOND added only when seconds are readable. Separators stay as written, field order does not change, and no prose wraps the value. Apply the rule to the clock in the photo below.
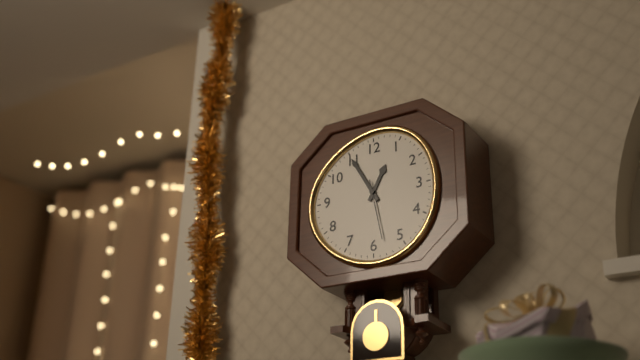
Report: h=12 m=55 s=28
